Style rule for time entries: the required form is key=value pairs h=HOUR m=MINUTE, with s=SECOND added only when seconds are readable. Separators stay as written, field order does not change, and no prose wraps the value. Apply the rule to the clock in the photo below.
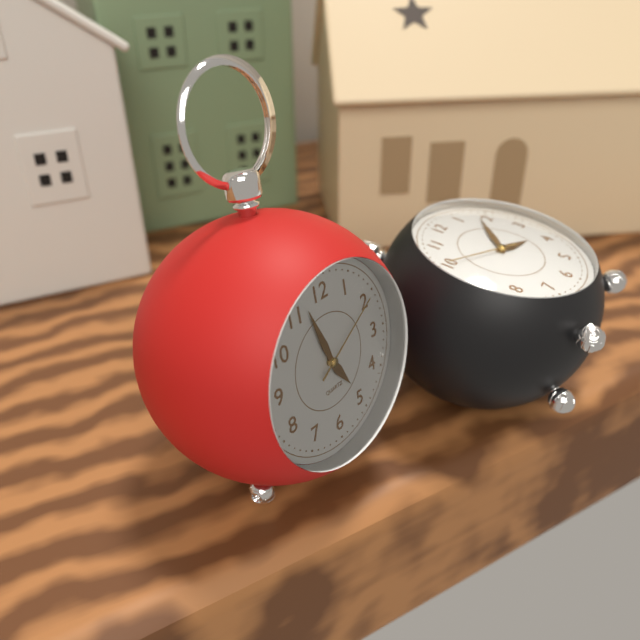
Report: h=4 m=57 s=10
